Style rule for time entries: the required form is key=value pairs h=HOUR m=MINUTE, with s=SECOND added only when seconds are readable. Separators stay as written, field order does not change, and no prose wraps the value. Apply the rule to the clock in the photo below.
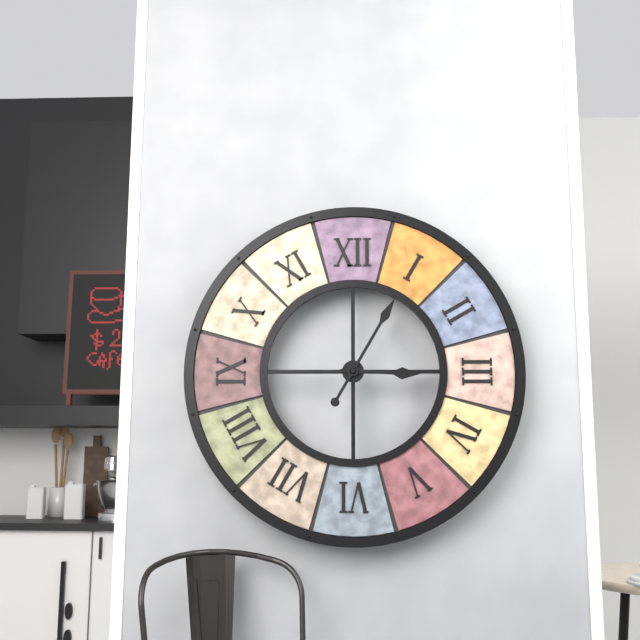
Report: h=3 m=5
